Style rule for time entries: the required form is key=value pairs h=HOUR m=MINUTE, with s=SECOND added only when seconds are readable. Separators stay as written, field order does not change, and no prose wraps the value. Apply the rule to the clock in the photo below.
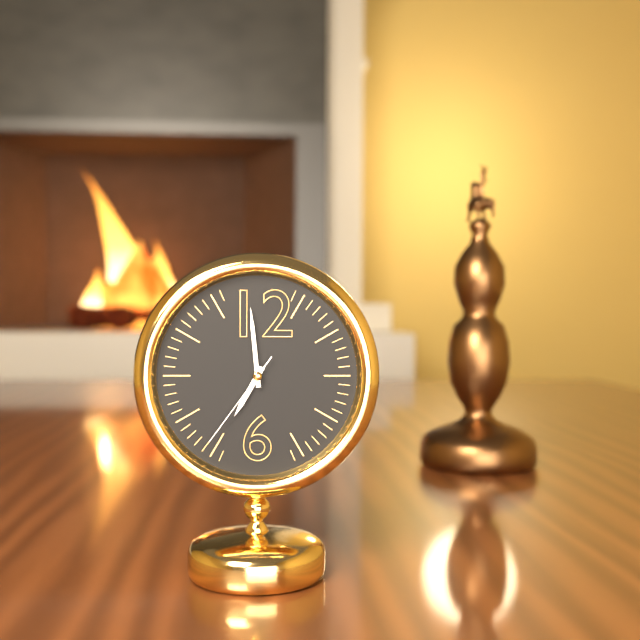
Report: h=6 m=59 s=36
